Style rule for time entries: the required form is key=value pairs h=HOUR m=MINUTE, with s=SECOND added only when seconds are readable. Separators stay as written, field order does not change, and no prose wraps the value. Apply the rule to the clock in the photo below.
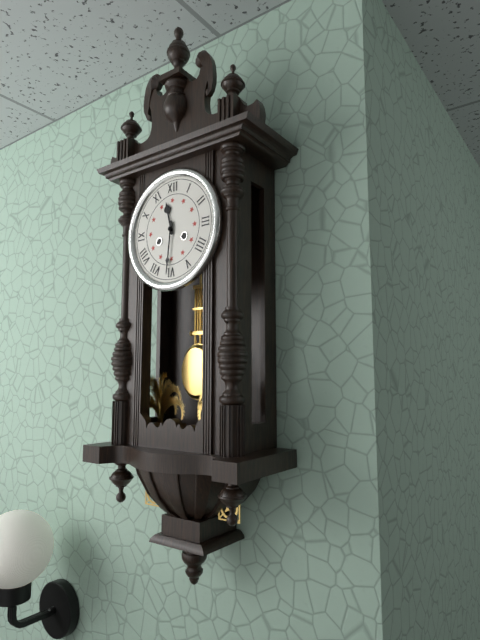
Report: h=11 m=31
